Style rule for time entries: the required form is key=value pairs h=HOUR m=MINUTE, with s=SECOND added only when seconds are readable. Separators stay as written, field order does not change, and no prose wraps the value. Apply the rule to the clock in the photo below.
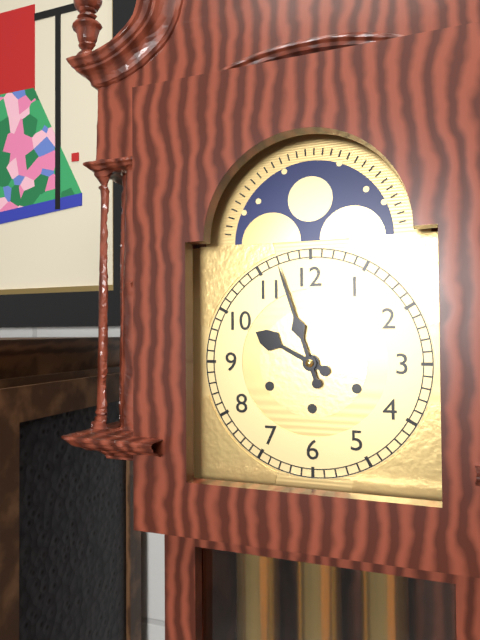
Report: h=9 m=57
